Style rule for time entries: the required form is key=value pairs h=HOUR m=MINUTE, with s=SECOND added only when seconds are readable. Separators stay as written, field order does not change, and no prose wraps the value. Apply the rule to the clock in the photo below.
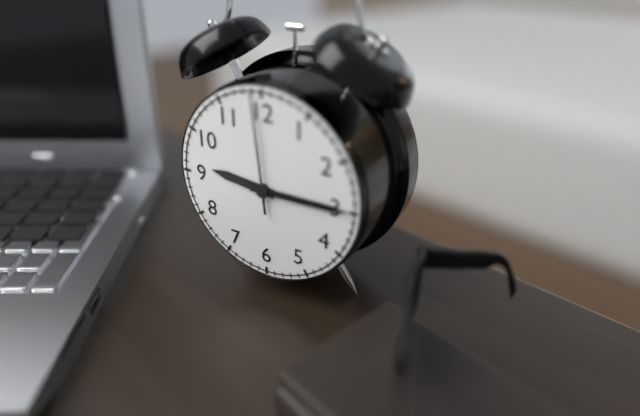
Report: h=9 m=15 s=59
